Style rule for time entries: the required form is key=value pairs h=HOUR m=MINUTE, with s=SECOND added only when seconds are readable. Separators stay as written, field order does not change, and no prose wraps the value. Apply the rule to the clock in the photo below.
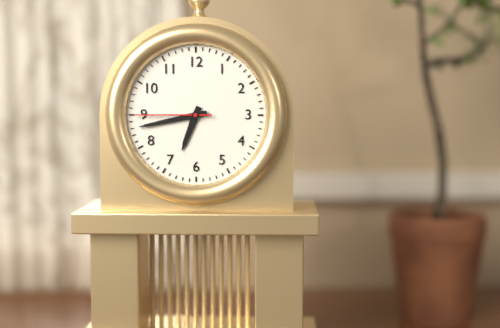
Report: h=6 m=43 s=45
